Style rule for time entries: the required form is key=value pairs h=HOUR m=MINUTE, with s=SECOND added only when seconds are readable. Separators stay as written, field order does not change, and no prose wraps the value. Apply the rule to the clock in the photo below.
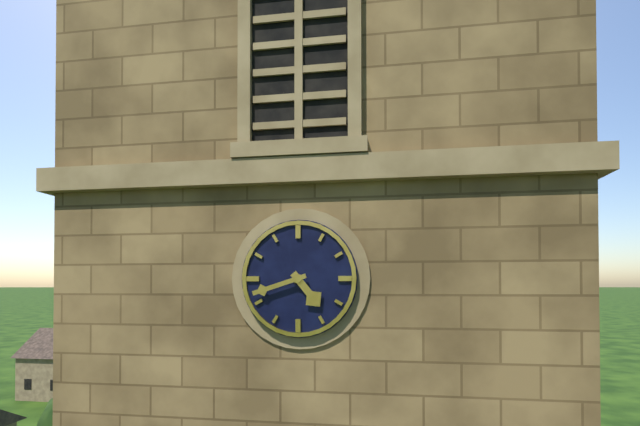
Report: h=4 m=42
